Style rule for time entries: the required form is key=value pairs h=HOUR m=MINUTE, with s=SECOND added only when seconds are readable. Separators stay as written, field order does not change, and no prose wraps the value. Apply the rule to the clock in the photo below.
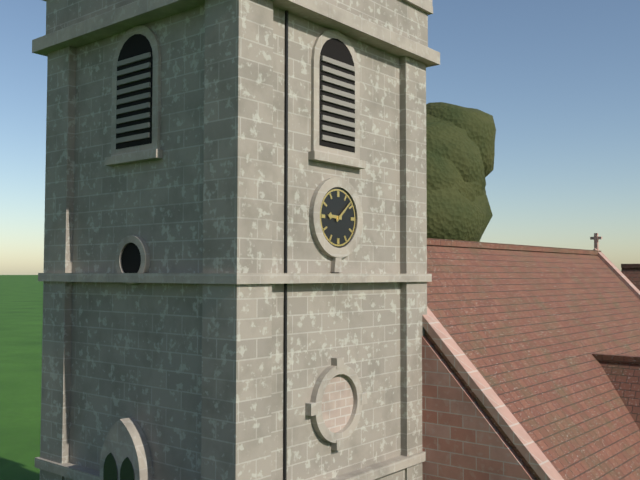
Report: h=9 m=8
